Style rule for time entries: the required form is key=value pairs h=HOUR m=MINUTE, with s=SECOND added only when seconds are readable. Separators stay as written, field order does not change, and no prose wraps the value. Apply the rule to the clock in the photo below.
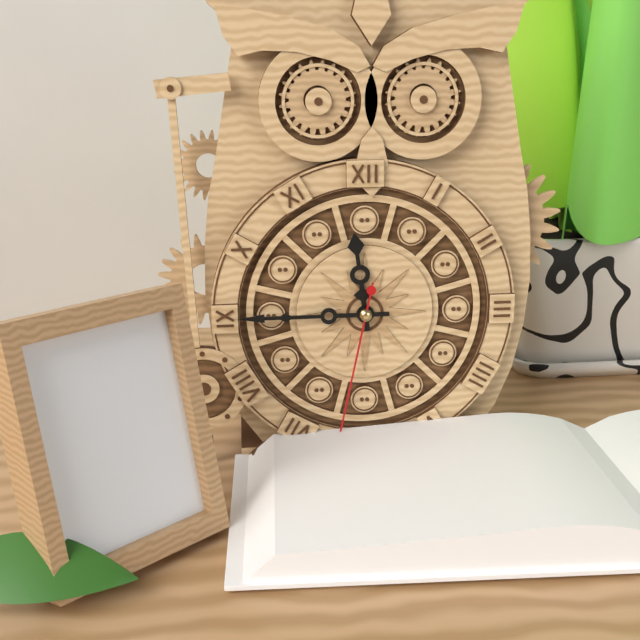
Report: h=11 m=45 s=32
